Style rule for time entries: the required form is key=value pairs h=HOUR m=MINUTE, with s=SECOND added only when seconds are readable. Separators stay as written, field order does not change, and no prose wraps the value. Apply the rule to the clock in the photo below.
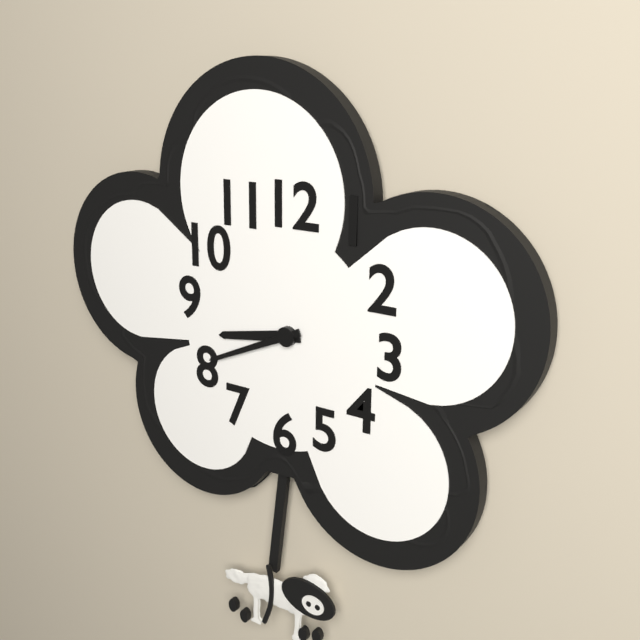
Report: h=8 m=41
